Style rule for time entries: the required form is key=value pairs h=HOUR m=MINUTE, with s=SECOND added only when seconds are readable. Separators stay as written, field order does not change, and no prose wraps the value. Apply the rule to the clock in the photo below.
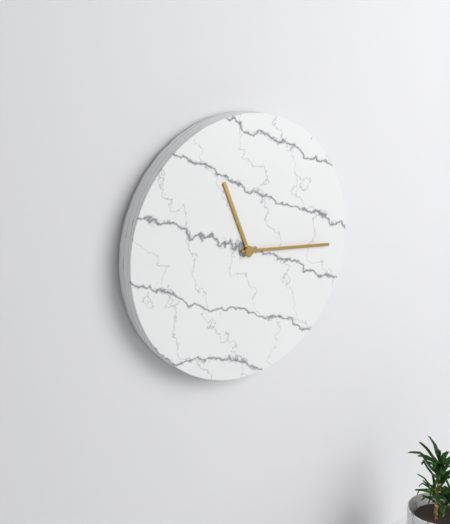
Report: h=11 m=16
